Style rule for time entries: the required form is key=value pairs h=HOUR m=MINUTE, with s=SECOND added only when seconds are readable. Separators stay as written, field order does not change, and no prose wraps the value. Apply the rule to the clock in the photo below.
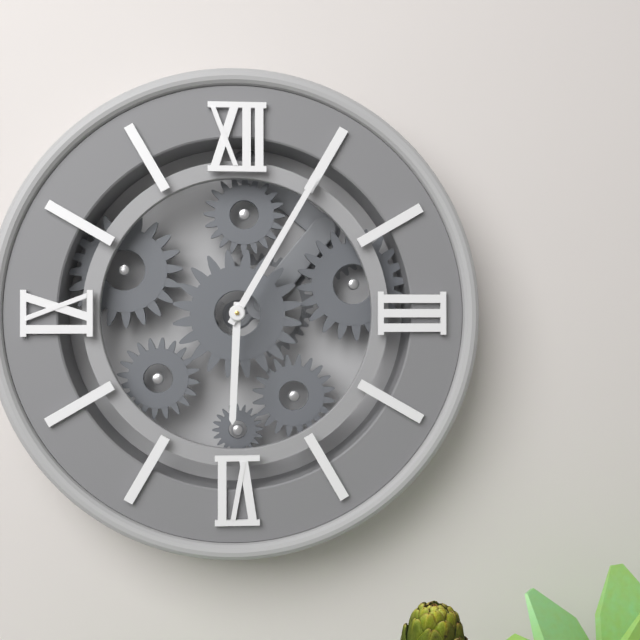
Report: h=6 m=5
